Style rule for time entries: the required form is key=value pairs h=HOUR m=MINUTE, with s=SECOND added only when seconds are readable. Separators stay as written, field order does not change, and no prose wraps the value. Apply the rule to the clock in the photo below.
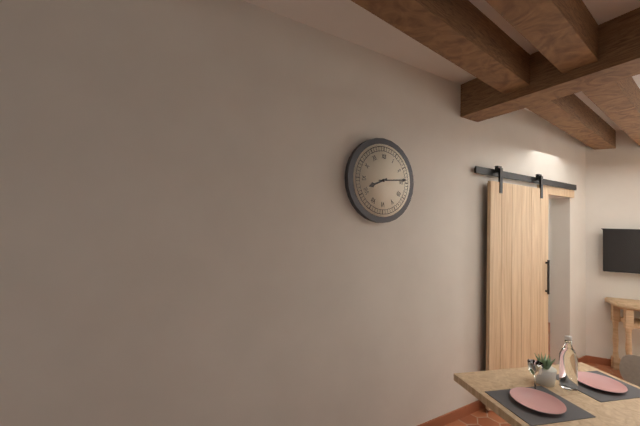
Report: h=8 m=14
